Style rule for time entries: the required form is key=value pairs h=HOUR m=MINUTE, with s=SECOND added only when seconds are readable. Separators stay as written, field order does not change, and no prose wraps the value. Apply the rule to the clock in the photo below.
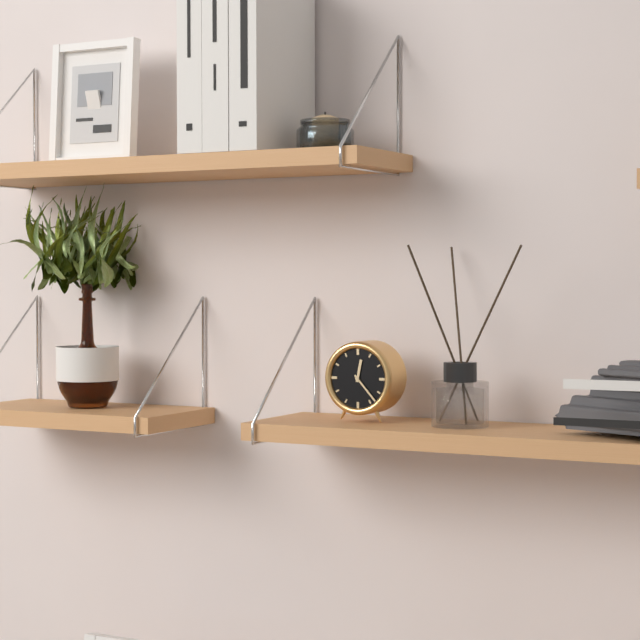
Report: h=12 m=23
